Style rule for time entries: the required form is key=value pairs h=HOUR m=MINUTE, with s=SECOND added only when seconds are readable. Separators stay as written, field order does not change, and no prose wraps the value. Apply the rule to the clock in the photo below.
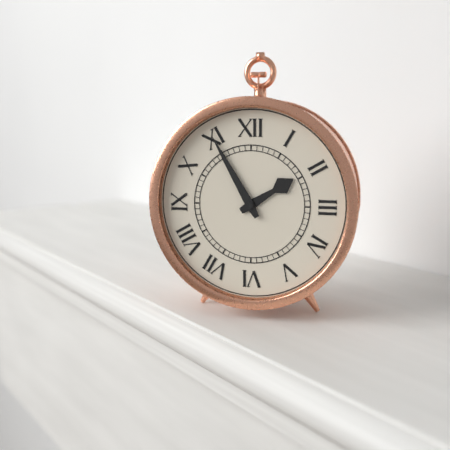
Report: h=1 m=55
